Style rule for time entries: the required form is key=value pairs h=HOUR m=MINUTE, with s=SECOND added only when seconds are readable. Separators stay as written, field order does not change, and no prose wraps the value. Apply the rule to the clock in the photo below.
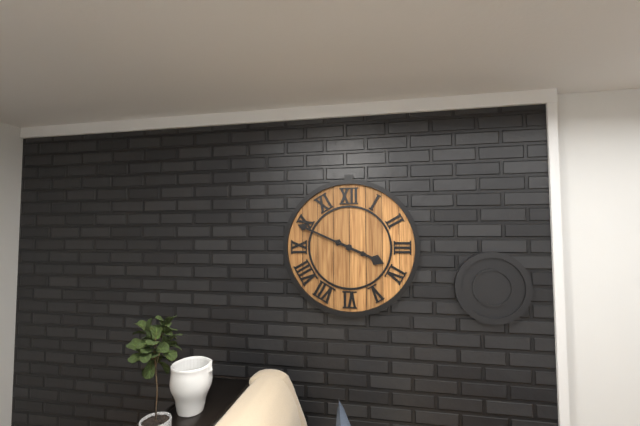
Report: h=3 m=49
